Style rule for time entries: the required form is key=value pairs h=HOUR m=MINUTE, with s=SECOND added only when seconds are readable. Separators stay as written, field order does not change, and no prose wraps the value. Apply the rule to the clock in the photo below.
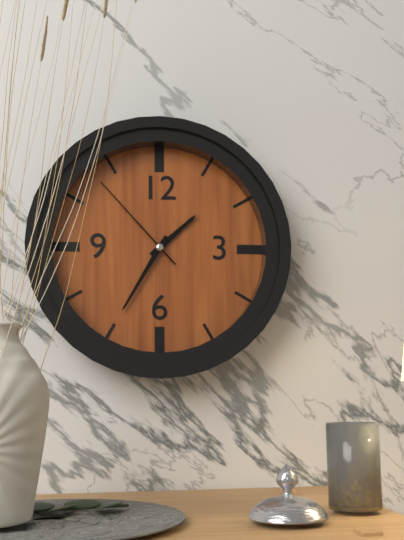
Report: h=1 m=35 s=53
